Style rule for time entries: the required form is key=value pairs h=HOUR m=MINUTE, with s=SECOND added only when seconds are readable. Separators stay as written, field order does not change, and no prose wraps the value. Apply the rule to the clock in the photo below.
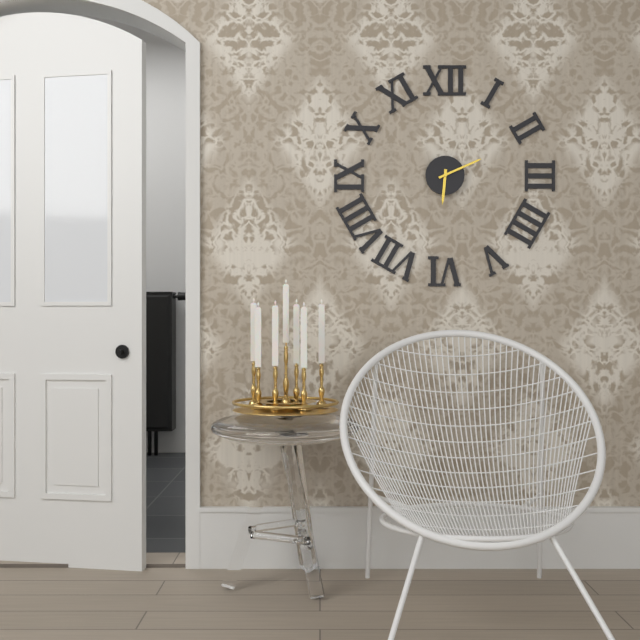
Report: h=6 m=11
